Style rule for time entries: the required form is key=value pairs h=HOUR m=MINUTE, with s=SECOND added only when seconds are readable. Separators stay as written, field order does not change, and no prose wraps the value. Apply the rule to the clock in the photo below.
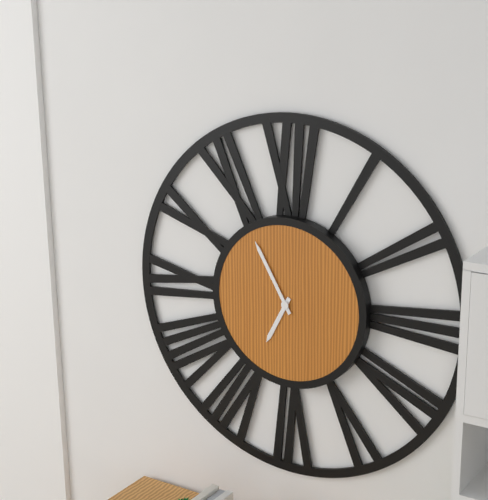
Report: h=6 m=55
